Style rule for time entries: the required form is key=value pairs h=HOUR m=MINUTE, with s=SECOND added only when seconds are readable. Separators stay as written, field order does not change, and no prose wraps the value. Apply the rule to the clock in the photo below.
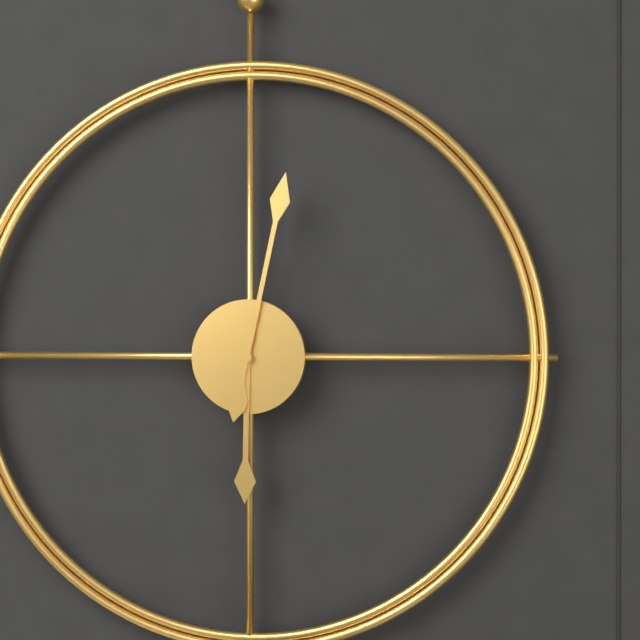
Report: h=6 m=2
